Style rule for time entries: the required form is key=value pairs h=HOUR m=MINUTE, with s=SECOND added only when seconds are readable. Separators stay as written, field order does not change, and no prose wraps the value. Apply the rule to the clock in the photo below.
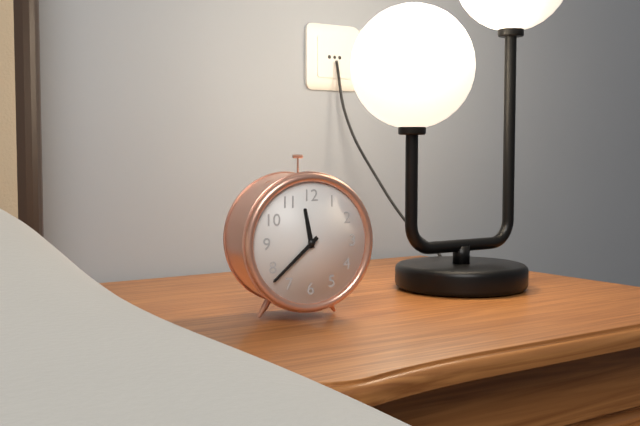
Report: h=11 m=38
